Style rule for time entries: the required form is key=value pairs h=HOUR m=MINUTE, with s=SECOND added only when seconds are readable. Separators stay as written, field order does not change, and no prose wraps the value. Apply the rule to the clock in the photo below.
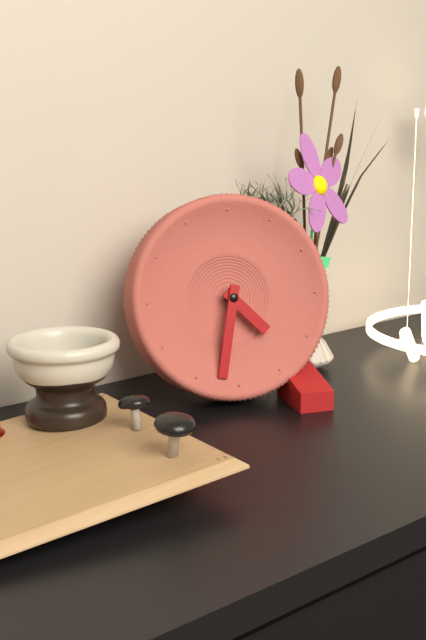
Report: h=4 m=32
